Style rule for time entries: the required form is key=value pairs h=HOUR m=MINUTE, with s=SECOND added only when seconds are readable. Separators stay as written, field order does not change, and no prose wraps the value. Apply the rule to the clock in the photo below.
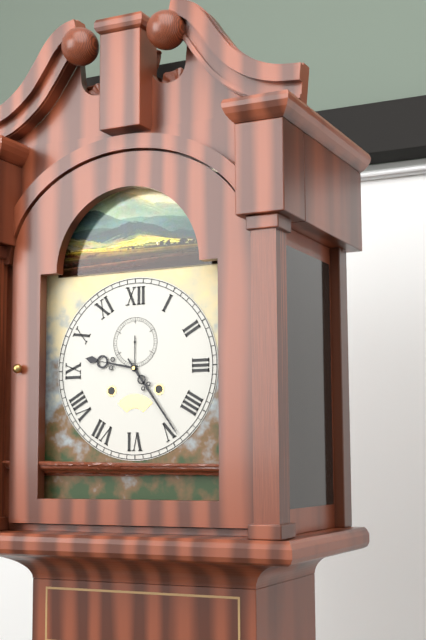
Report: h=9 m=24
